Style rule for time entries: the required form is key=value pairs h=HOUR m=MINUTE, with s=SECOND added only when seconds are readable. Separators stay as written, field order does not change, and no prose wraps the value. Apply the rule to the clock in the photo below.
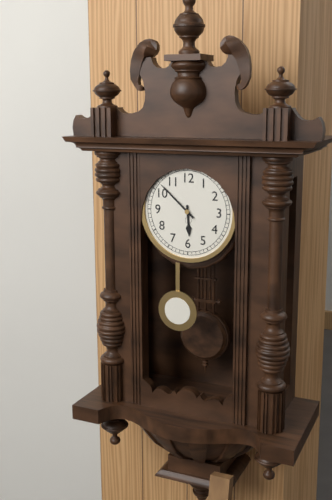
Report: h=5 m=52
